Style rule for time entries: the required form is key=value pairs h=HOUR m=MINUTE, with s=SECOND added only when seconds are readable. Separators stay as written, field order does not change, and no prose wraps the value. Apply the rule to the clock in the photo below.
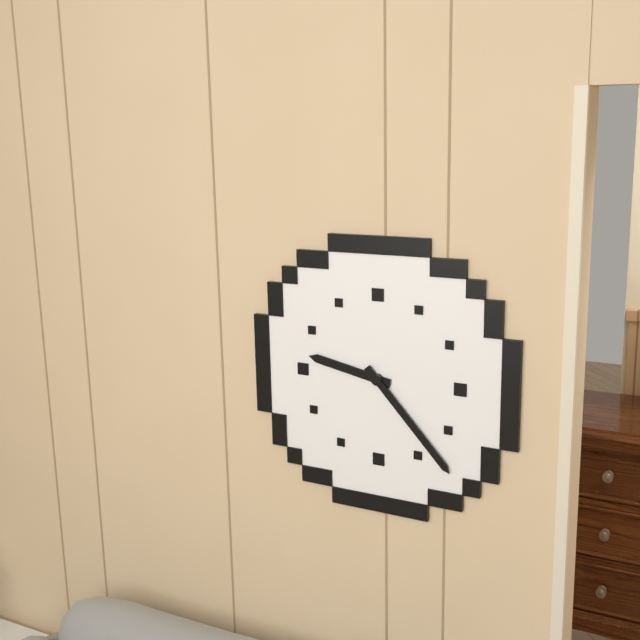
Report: h=9 m=23
